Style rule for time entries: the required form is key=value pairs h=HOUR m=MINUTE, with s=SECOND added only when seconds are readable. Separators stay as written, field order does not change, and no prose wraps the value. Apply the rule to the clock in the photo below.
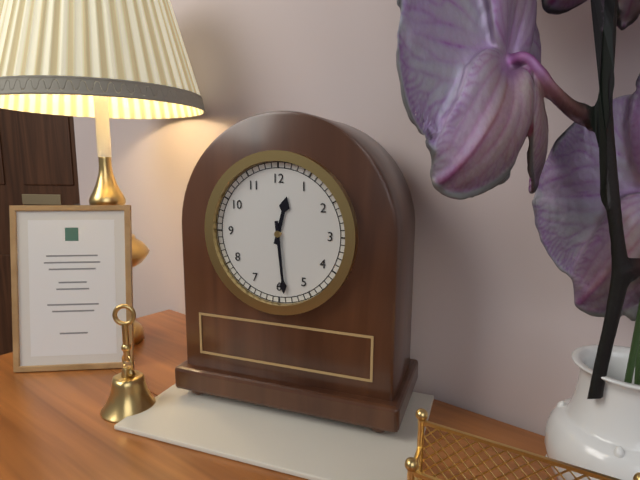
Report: h=12 m=29
